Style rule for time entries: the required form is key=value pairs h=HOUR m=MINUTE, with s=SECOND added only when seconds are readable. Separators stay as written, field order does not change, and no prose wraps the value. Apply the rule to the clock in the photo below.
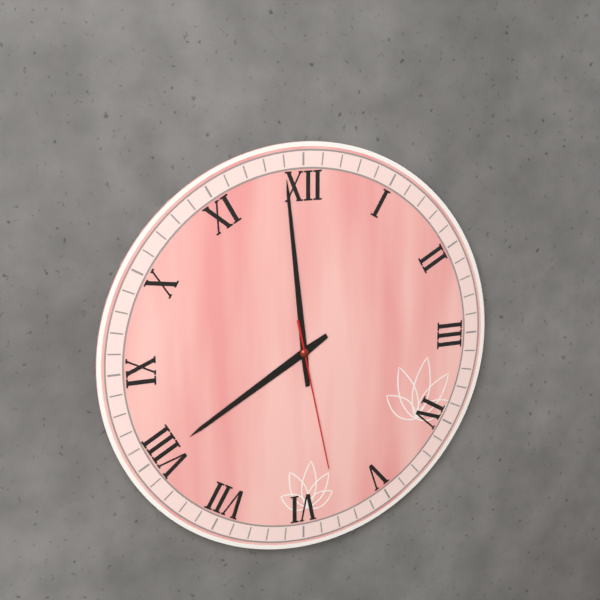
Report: h=7 m=59 s=28
